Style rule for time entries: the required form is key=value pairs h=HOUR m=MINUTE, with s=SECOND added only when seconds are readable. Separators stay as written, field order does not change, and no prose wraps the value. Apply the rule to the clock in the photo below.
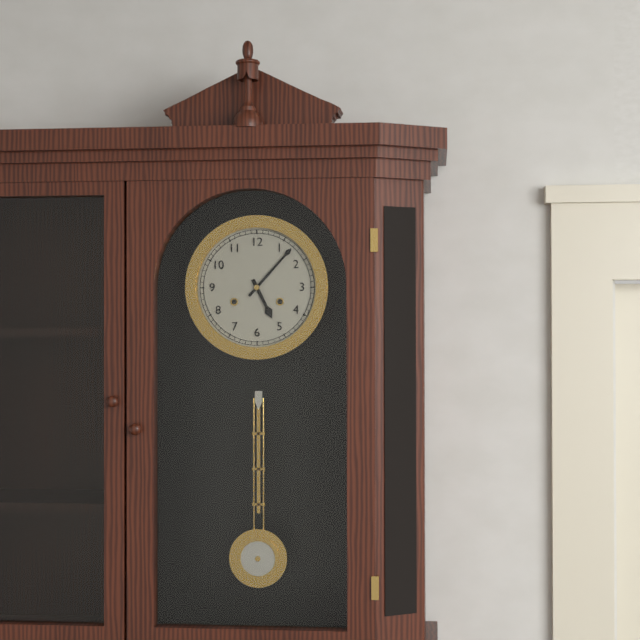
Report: h=5 m=7
